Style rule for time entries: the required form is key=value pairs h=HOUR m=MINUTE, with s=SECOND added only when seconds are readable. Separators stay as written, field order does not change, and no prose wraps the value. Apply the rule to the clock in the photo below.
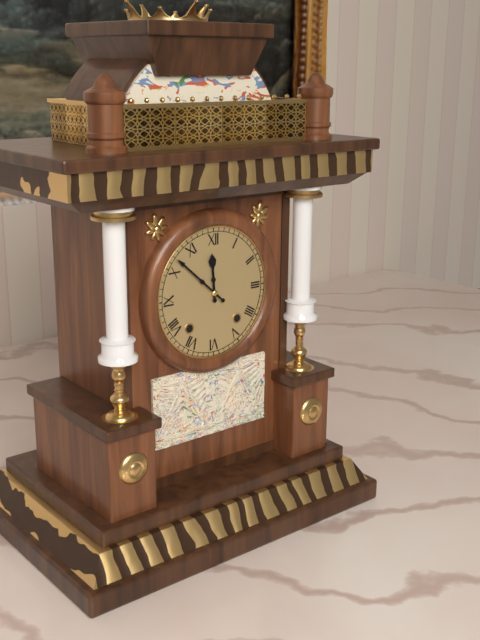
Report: h=11 m=52
